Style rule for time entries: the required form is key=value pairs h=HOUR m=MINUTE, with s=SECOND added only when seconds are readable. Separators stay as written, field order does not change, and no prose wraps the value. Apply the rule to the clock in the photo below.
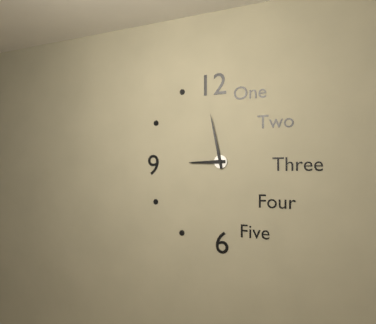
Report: h=8 m=58
